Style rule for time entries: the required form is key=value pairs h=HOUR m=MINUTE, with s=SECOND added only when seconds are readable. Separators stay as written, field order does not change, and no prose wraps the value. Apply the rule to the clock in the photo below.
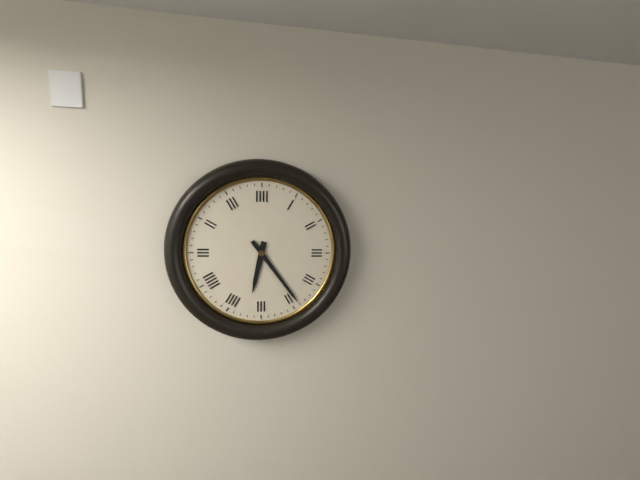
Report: h=6 m=24
